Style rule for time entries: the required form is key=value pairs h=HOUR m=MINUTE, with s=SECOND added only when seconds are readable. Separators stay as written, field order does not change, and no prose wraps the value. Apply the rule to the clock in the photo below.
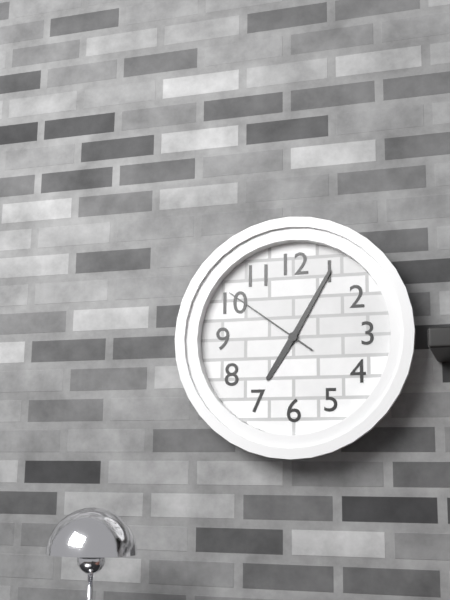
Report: h=7 m=5 s=51
